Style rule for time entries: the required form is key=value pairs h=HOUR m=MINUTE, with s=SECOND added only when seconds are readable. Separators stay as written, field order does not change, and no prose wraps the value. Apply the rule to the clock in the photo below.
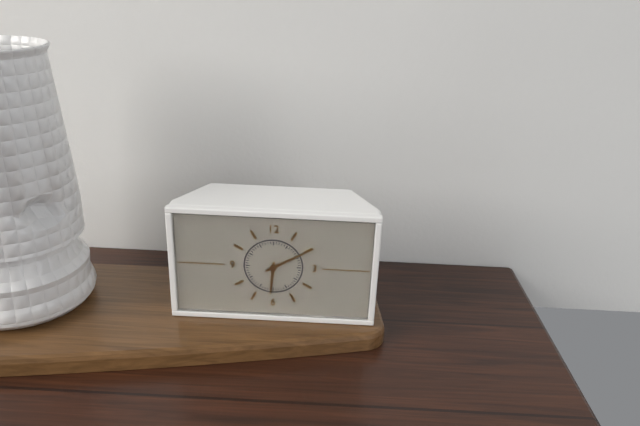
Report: h=6 m=10
